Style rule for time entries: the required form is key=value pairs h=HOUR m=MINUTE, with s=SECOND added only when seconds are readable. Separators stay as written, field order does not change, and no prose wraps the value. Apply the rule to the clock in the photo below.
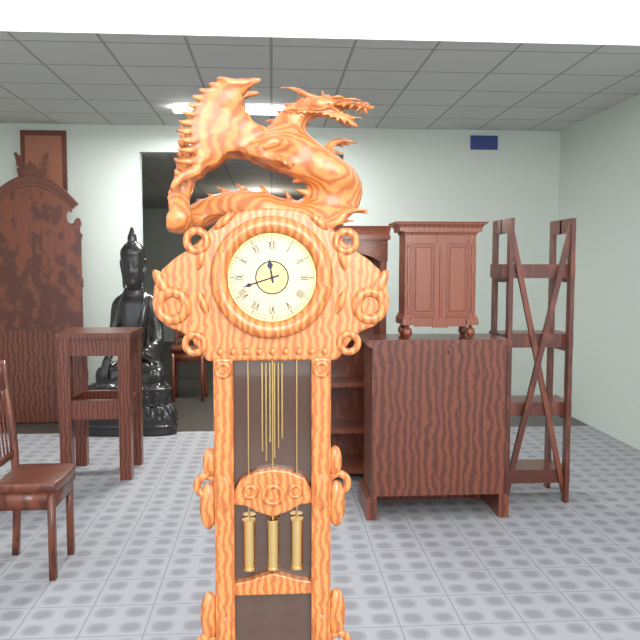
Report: h=11 m=42
